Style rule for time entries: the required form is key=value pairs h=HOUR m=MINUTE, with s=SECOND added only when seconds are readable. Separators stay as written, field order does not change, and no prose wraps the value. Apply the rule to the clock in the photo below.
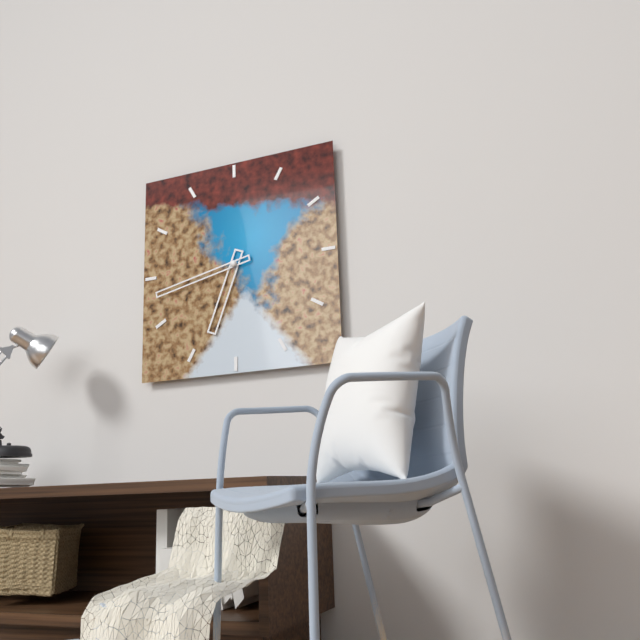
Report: h=6 m=43
